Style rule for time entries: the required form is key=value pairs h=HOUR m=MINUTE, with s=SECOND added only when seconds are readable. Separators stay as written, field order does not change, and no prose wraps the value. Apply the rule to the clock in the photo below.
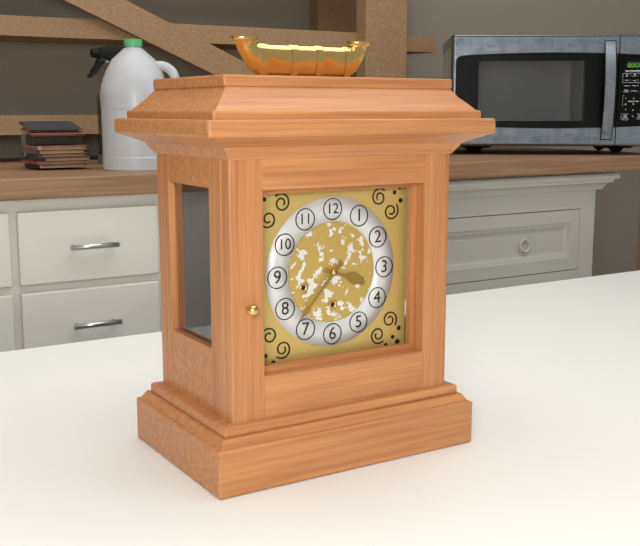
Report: h=3 m=37
